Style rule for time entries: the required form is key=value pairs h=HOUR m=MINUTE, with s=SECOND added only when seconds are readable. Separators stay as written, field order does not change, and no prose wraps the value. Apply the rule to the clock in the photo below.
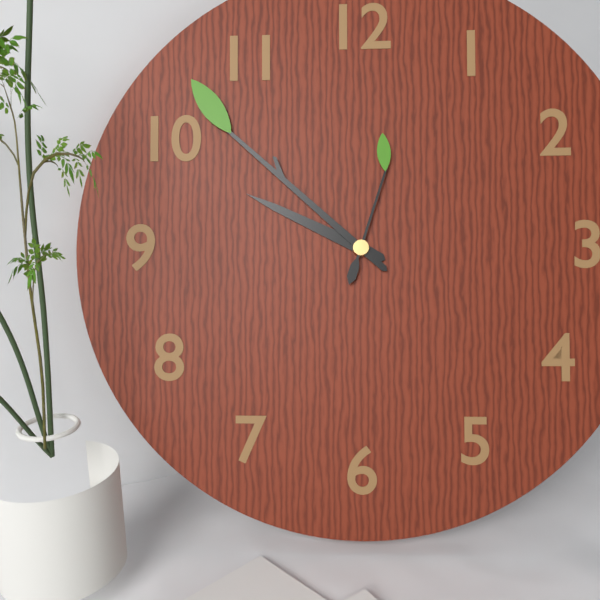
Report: h=9 m=52 s=3
